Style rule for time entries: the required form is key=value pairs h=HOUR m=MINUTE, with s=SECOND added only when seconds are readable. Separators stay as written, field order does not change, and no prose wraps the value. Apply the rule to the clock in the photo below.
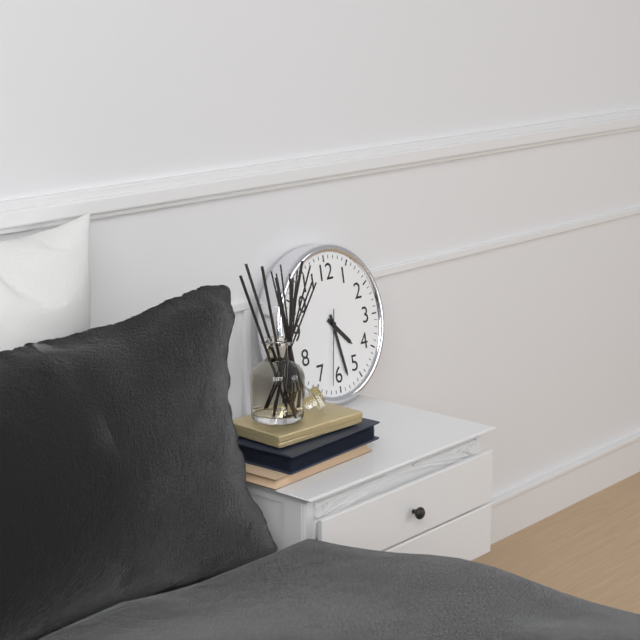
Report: h=4 m=28 s=32
